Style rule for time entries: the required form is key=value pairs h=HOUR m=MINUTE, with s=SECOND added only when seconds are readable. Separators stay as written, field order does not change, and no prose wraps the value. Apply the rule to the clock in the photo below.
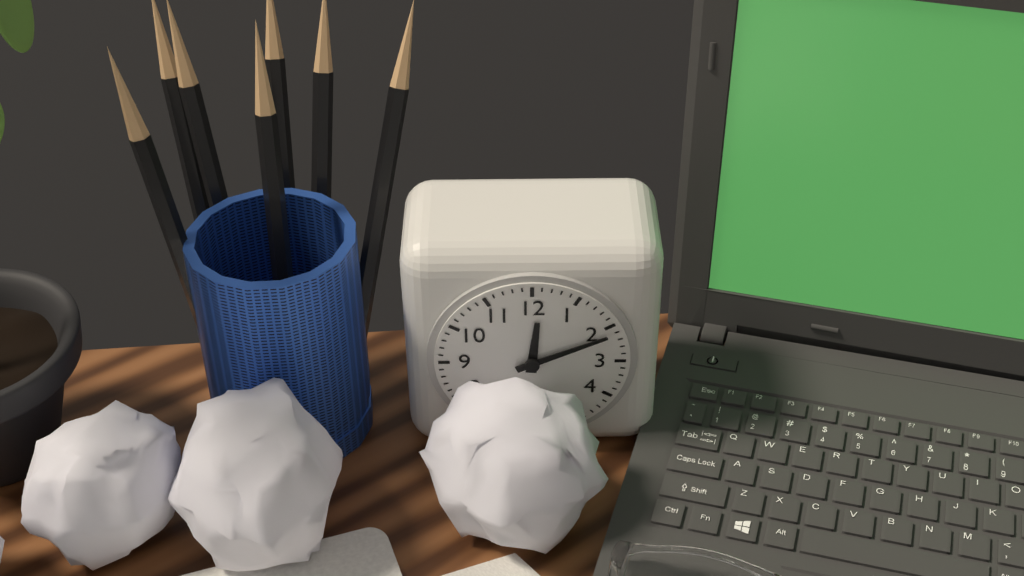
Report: h=12 m=11
